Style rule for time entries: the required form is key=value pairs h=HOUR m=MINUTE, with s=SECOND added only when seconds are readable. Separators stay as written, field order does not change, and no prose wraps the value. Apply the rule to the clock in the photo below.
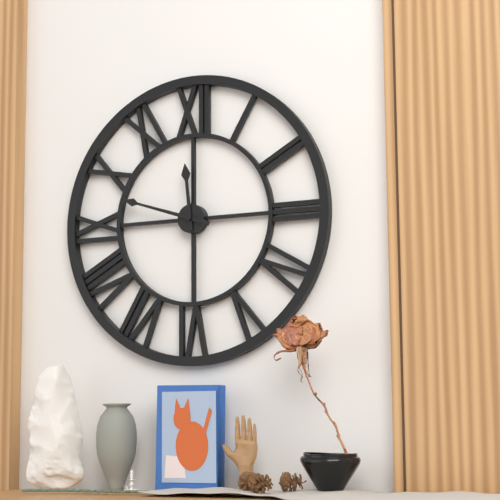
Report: h=11 m=48
